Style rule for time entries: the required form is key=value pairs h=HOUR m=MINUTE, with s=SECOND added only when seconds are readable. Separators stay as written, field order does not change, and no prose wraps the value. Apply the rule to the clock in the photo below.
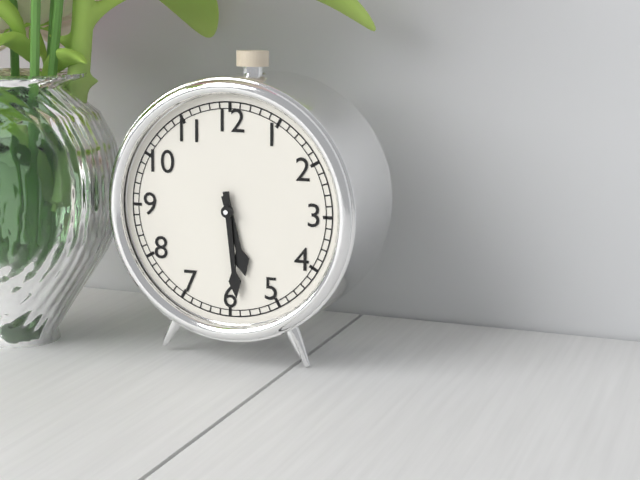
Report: h=5 m=29
